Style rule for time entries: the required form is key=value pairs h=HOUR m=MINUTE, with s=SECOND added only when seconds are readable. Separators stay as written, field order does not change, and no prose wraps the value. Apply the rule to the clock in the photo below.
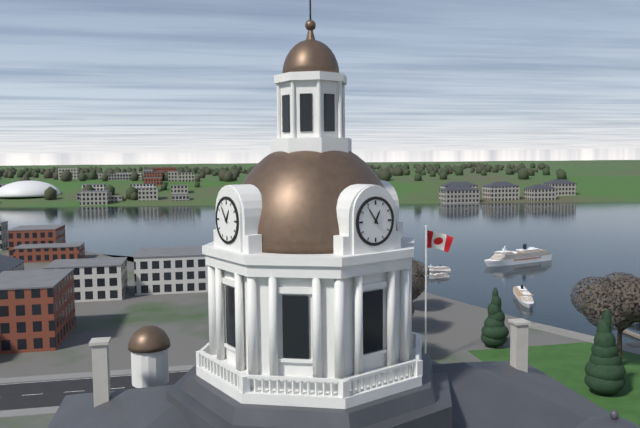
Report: h=12 m=54
